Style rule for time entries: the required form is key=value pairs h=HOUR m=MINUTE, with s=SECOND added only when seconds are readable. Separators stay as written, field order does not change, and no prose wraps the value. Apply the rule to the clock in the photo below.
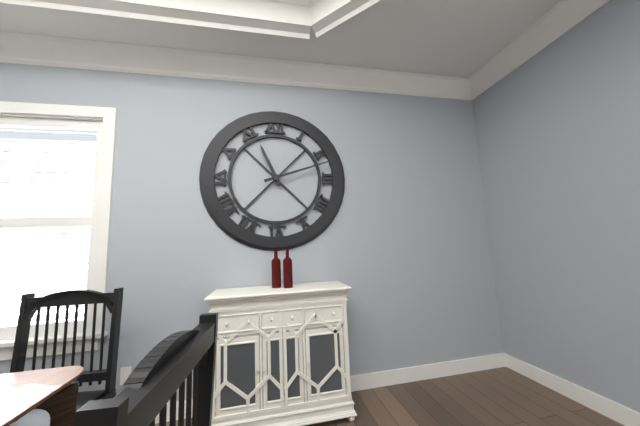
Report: h=11 m=12
